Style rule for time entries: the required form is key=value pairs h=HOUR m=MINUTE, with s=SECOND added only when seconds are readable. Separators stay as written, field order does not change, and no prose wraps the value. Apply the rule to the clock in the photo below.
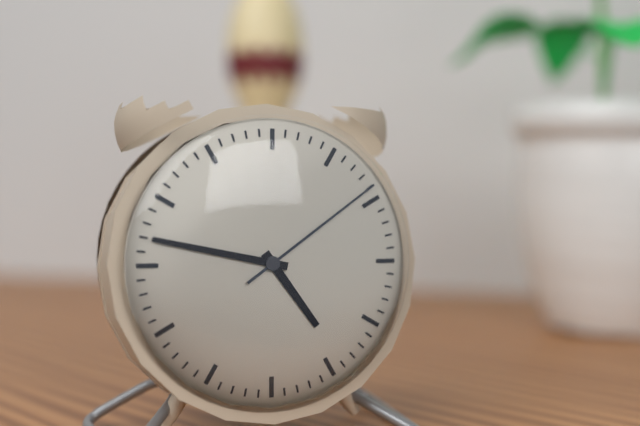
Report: h=4 m=47 s=9
